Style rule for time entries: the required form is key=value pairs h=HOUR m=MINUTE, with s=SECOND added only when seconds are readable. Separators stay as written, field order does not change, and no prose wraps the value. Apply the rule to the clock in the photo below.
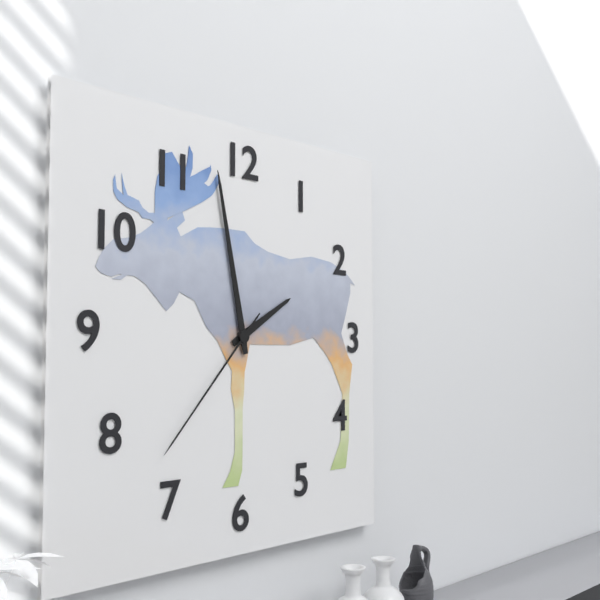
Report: h=1 m=58 s=37
